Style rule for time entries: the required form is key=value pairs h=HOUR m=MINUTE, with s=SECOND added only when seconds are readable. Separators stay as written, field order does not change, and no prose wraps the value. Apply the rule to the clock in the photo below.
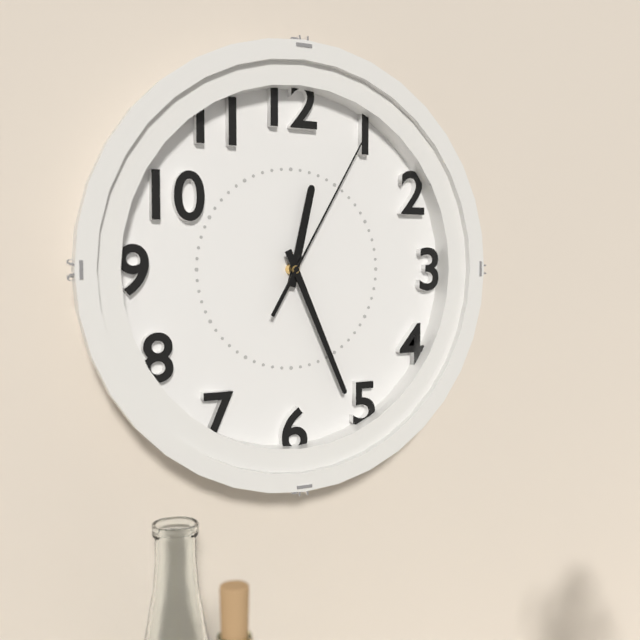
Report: h=12 m=26 s=5
